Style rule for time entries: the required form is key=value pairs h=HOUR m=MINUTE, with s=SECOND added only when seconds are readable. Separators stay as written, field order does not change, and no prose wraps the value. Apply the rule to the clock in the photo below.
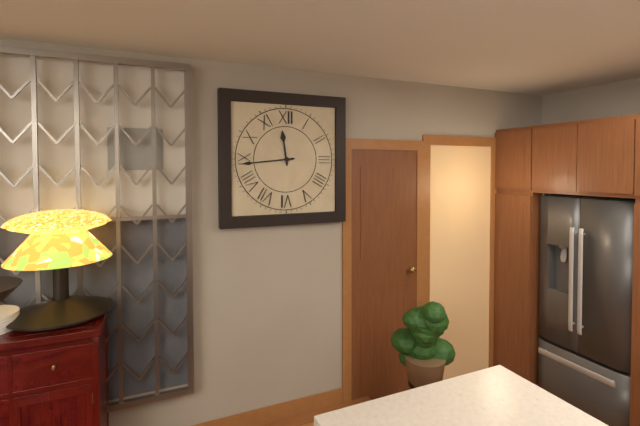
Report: h=11 m=44
